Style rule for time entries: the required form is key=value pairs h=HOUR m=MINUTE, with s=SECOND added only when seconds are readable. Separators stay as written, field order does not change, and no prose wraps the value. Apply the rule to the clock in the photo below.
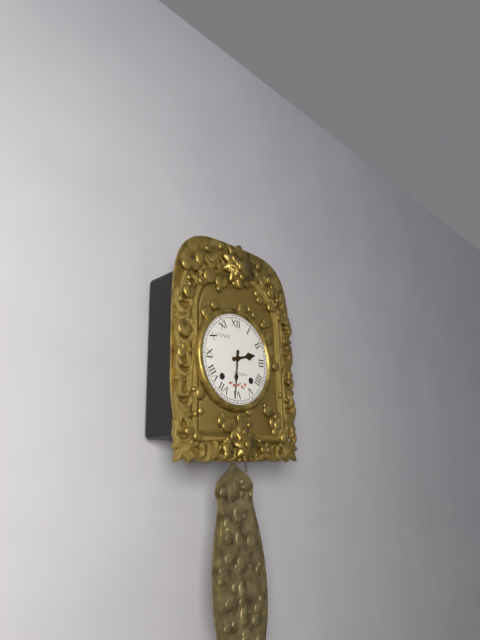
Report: h=2 m=31
